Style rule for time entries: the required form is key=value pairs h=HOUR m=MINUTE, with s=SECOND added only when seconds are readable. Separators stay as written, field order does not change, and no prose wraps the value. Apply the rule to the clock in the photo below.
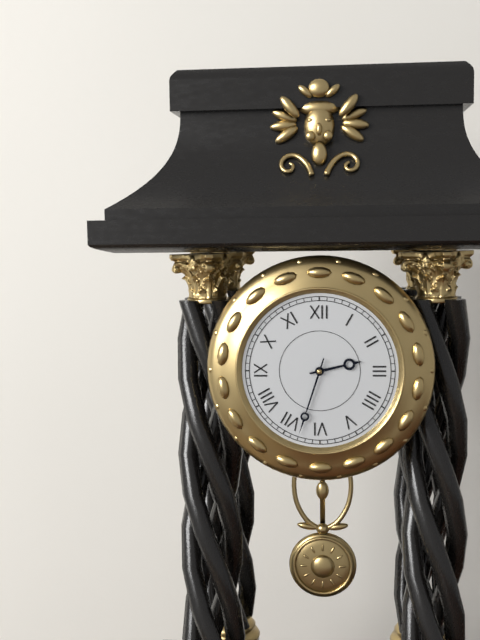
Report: h=2 m=33
